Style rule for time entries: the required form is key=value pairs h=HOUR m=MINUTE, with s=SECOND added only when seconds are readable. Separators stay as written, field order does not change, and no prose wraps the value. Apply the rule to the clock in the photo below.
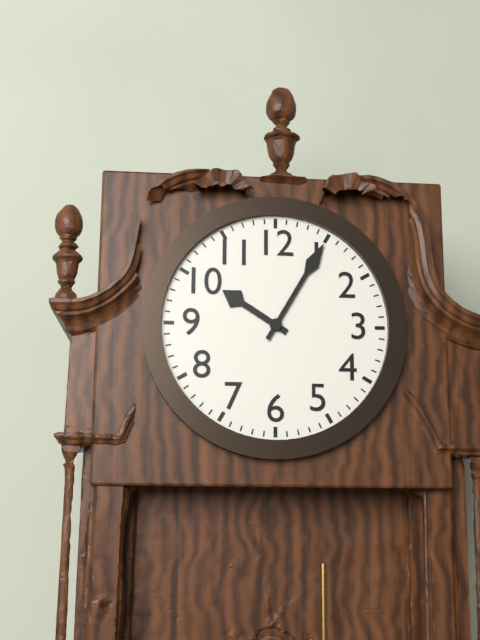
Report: h=10 m=5
